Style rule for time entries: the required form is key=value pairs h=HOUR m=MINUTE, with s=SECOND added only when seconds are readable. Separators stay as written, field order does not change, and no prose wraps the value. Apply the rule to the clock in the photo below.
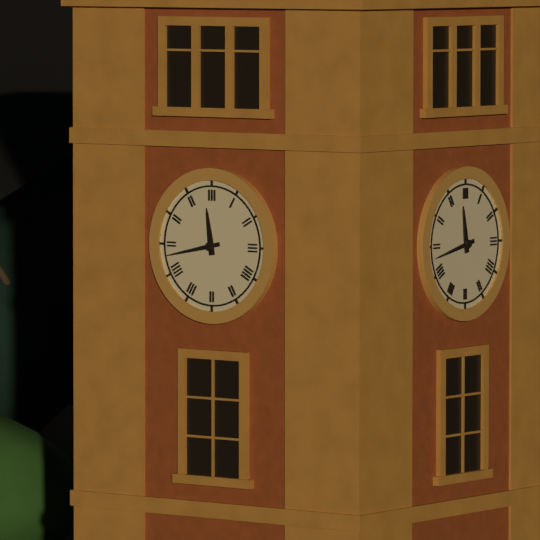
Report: h=11 m=43
